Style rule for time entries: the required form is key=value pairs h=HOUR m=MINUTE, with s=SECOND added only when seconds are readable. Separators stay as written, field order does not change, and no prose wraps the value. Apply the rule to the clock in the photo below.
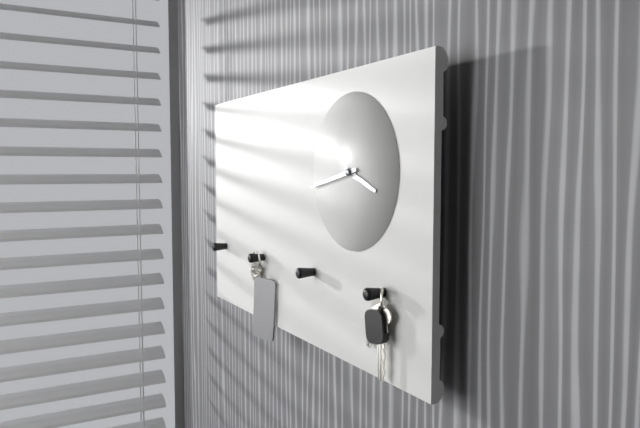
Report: h=3 m=43
